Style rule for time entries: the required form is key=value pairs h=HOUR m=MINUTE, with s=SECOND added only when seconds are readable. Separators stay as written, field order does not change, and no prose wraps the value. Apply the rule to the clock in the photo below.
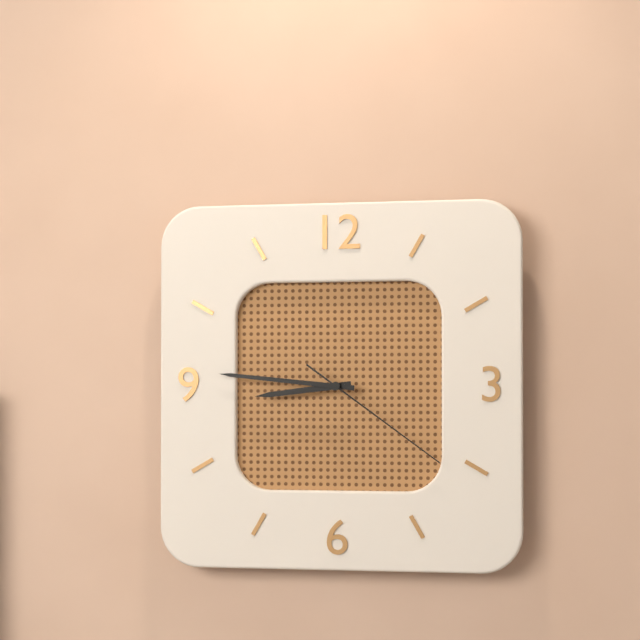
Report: h=8 m=46 s=21
